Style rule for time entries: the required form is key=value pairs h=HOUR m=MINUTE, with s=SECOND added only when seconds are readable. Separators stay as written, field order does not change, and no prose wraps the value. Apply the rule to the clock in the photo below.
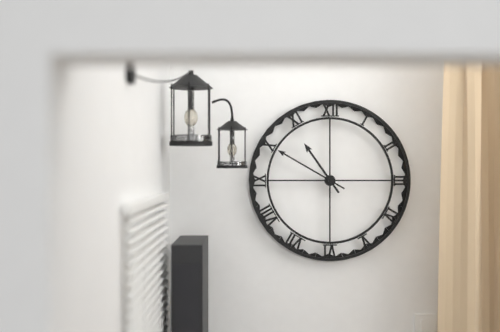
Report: h=10 m=50
